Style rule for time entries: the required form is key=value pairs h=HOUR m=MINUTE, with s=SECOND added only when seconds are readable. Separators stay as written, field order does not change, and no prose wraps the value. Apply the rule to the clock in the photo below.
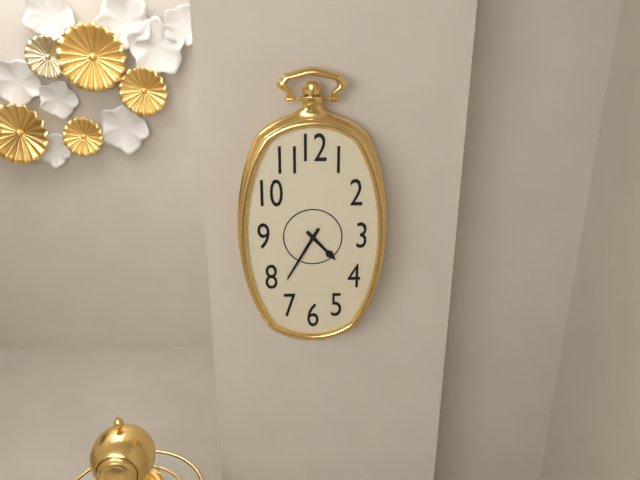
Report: h=4 m=35
